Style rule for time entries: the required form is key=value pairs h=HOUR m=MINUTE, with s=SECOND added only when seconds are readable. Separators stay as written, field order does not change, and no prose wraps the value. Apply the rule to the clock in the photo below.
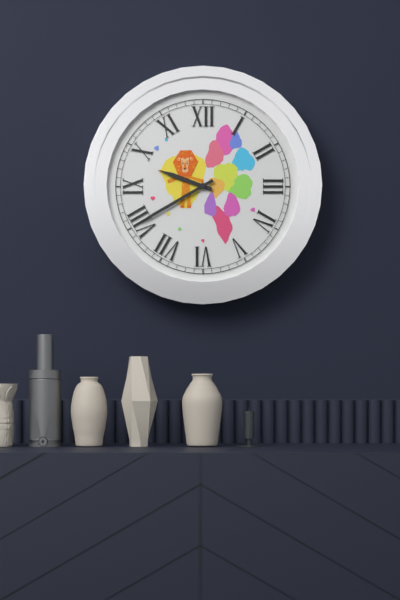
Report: h=9 m=40
